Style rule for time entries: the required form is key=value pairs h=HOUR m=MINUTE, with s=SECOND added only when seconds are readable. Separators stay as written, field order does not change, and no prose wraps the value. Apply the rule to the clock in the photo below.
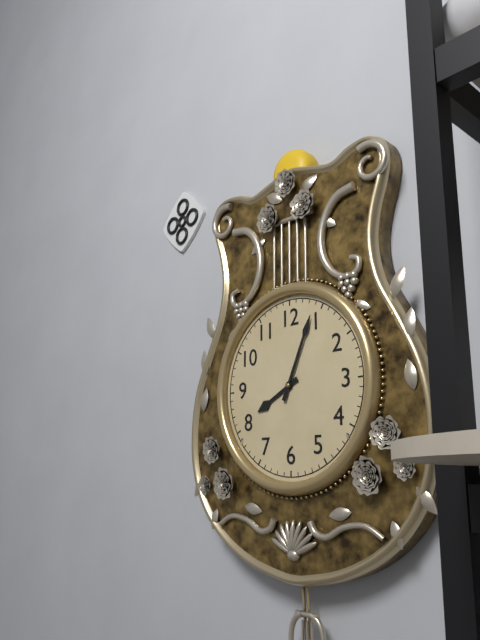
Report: h=8 m=4
